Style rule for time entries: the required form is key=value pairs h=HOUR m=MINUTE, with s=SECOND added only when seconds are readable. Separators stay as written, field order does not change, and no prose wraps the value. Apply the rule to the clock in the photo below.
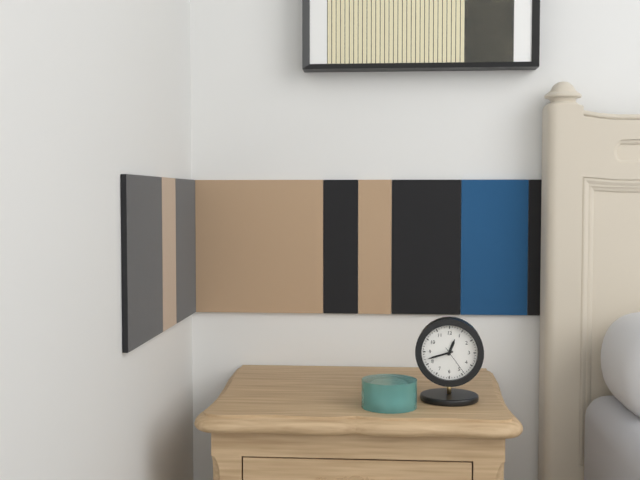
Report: h=12 m=42
